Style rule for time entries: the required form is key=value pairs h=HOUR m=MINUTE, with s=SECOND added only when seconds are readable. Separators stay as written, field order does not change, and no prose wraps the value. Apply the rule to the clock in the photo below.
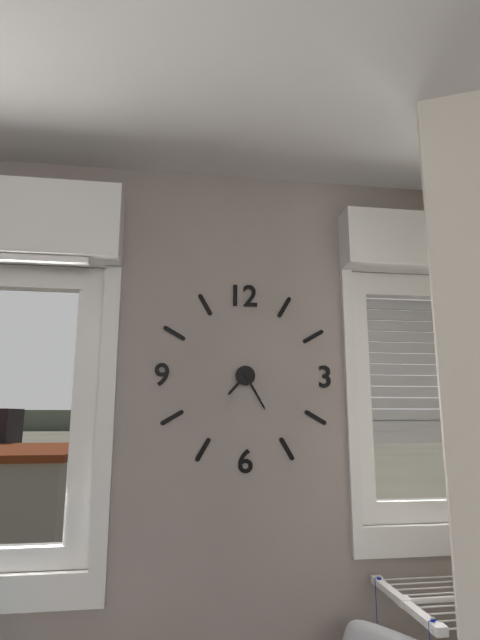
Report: h=7 m=25
